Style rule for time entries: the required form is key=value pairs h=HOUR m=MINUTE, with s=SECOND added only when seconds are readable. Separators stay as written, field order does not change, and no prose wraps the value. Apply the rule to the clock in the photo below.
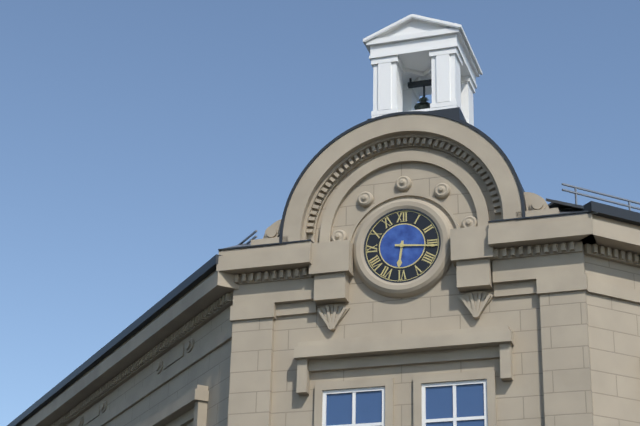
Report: h=6 m=16
